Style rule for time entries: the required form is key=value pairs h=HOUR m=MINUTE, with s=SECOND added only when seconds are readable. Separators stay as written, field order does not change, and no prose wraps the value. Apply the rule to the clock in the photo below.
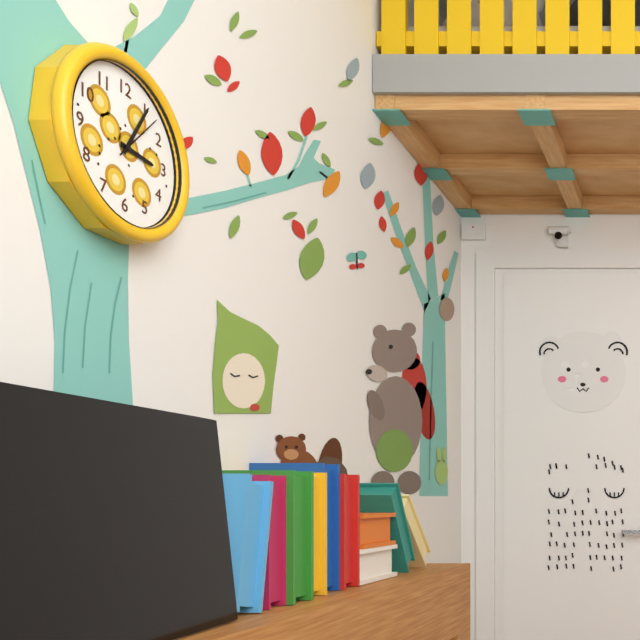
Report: h=3 m=5 s=7
